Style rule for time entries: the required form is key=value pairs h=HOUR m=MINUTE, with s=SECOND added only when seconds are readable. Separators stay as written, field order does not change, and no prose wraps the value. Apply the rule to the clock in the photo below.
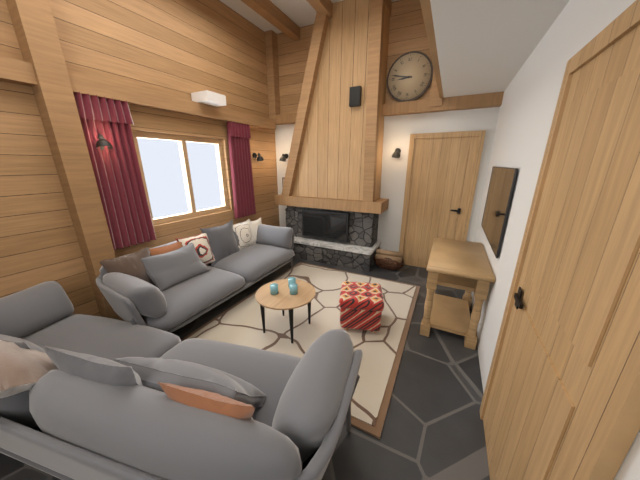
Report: h=8 m=47
